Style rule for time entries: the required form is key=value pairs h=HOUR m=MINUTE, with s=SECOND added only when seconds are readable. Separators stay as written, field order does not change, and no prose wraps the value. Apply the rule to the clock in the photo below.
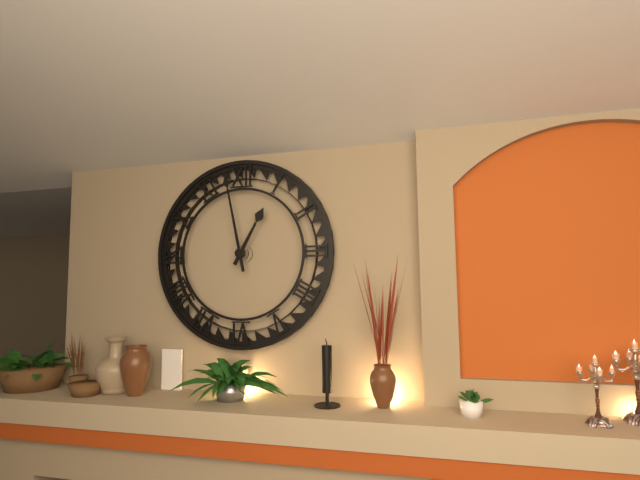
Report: h=12 m=58
